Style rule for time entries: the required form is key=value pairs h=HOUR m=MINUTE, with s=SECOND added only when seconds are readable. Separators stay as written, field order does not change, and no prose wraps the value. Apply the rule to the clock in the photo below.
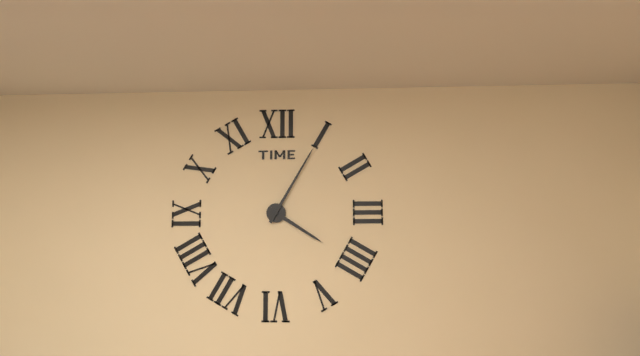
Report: h=4 m=5
